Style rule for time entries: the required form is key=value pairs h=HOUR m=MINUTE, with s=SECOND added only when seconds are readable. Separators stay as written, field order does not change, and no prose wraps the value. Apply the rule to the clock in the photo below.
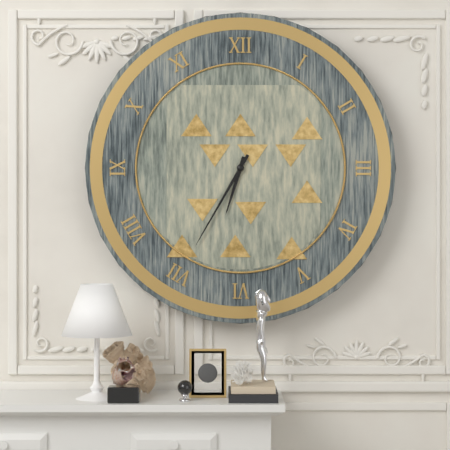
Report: h=6 m=35
